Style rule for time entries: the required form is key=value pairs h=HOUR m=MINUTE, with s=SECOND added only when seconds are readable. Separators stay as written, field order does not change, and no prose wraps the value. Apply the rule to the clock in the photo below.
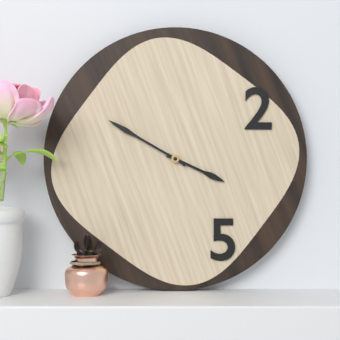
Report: h=3 m=50
